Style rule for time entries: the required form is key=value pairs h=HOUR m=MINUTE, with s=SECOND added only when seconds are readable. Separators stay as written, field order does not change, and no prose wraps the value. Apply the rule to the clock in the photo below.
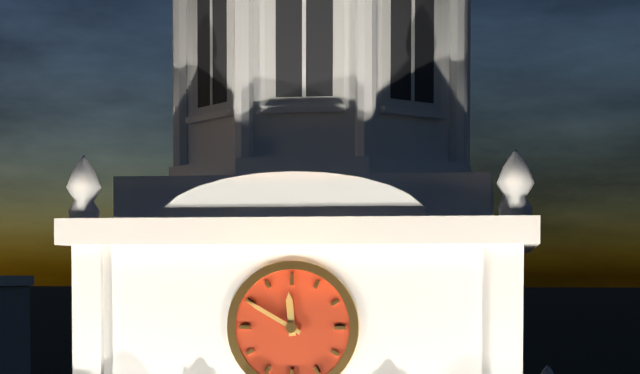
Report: h=11 m=50
